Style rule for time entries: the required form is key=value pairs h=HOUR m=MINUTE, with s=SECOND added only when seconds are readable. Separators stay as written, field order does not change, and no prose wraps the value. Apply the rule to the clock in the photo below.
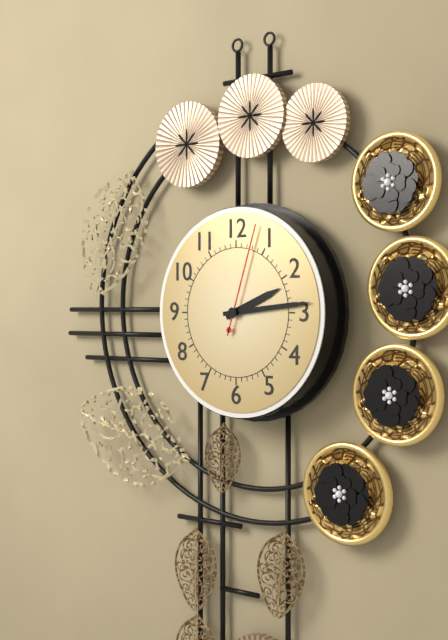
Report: h=2 m=14 s=3
